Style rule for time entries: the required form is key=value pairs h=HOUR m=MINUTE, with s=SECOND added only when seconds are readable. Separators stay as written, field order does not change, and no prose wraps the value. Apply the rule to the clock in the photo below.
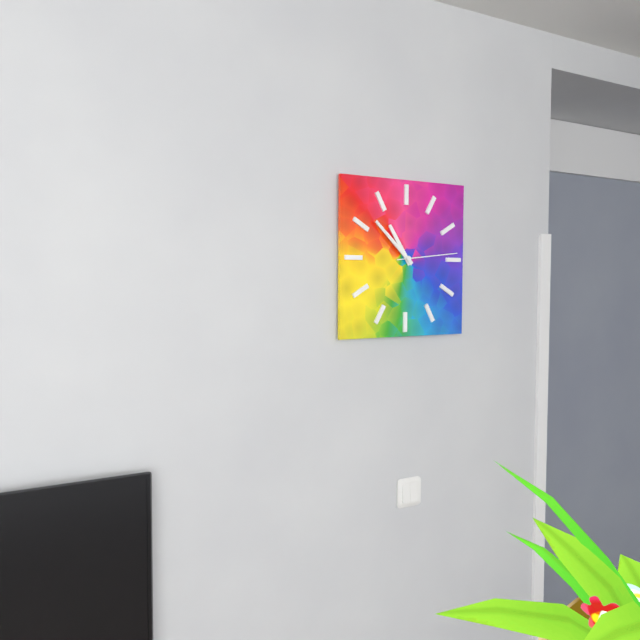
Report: h=10 m=52 s=14
